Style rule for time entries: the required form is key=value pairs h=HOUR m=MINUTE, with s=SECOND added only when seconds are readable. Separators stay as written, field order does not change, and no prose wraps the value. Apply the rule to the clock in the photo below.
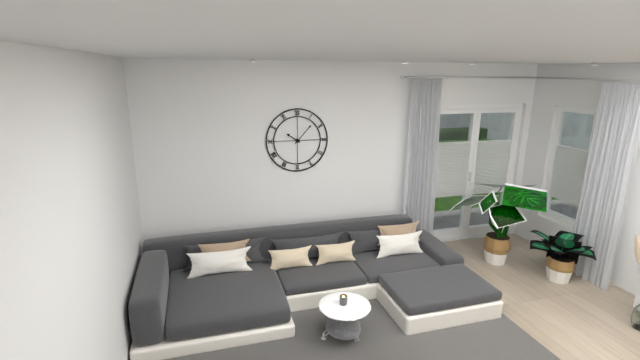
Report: h=10 m=7
